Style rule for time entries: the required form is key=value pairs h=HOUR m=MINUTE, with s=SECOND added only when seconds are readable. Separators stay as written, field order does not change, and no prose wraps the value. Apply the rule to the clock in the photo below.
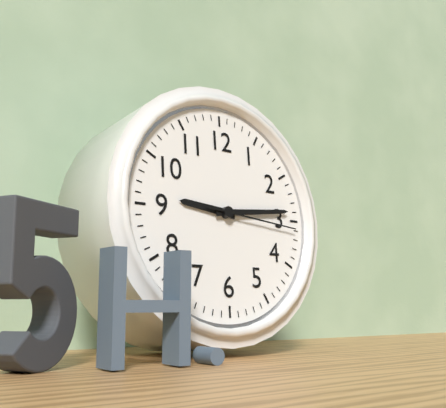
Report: h=9 m=14 s=16
